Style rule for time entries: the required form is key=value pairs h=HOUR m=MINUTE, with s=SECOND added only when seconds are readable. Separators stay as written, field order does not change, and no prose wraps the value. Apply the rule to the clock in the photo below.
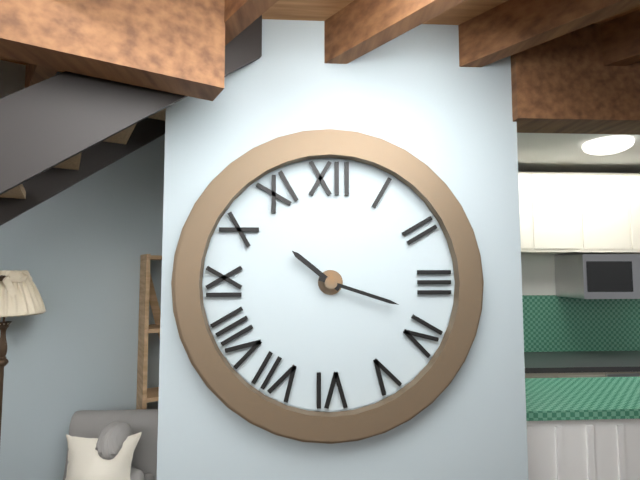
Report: h=10 m=18
